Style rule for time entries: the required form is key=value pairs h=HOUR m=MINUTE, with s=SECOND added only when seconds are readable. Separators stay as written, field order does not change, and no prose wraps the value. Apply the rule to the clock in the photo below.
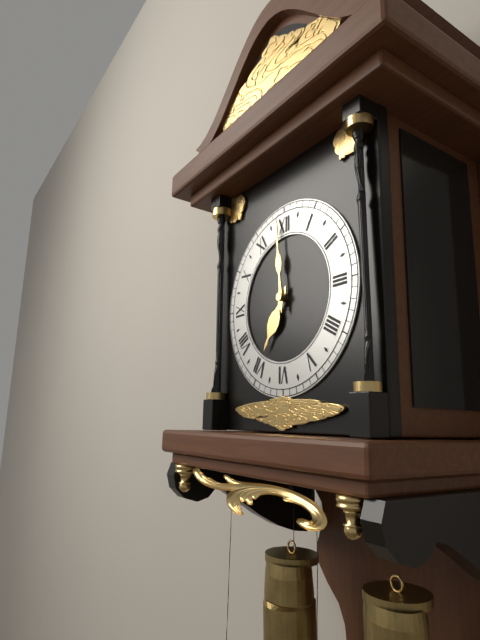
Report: h=6 m=59
